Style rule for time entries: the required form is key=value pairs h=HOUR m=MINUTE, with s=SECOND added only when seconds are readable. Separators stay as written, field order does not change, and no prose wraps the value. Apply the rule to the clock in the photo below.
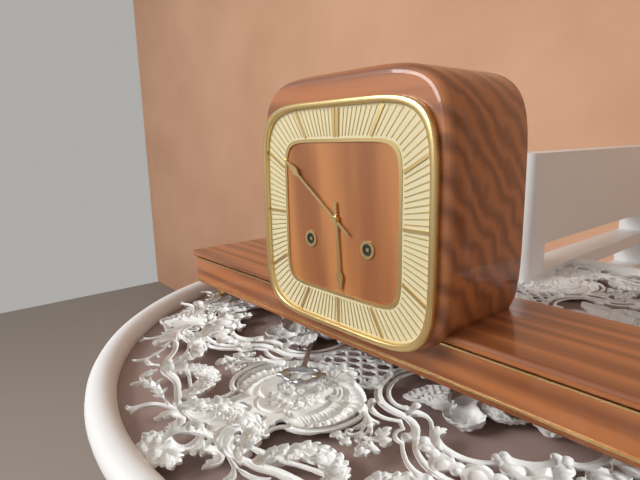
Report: h=5 m=51
